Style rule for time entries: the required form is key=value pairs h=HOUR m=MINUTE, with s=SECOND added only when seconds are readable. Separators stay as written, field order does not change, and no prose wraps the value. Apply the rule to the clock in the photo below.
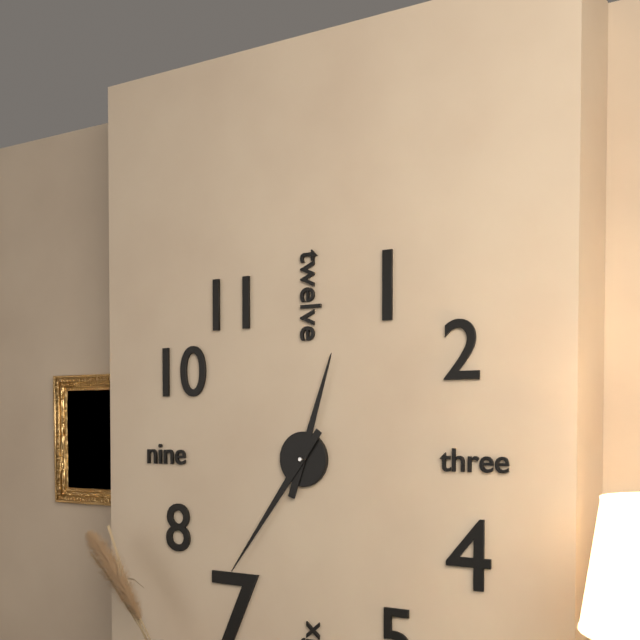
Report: h=12 m=36
